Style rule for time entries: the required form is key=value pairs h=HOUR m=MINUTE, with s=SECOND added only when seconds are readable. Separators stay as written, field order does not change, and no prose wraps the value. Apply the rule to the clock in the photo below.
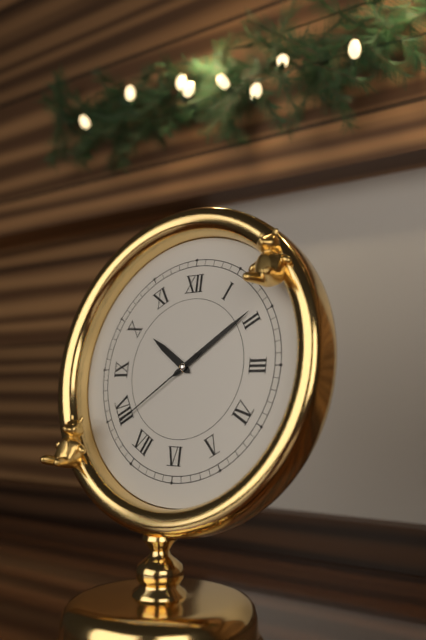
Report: h=10 m=9 s=39
